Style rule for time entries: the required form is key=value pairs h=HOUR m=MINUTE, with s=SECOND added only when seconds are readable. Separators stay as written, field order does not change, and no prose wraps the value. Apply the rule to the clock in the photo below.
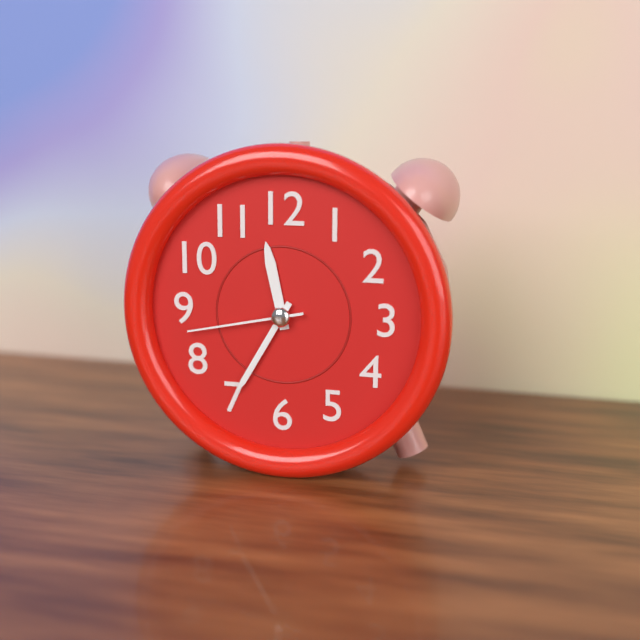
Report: h=11 m=35 s=43
